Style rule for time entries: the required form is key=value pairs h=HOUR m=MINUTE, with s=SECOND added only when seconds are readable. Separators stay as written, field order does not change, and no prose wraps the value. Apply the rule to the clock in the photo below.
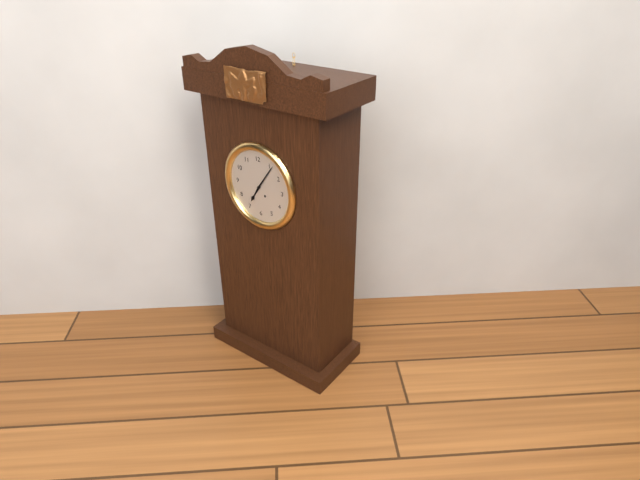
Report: h=7 m=6
